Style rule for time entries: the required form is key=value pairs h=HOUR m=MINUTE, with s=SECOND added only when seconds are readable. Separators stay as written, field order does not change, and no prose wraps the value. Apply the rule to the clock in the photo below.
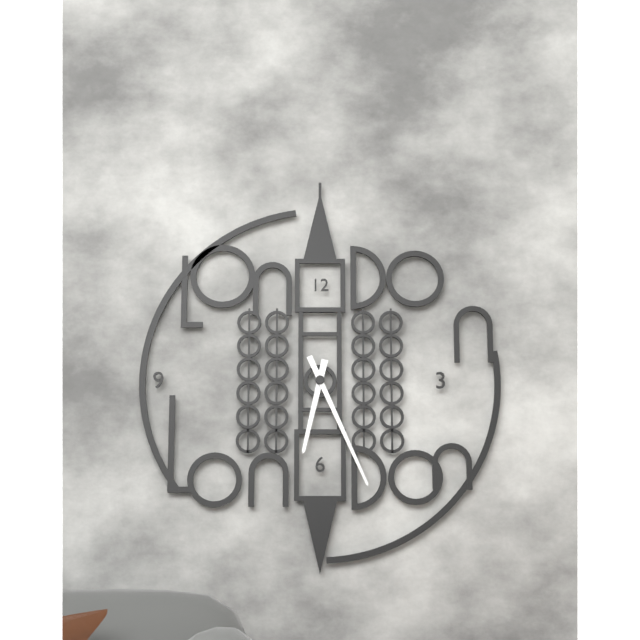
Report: h=6 m=26
